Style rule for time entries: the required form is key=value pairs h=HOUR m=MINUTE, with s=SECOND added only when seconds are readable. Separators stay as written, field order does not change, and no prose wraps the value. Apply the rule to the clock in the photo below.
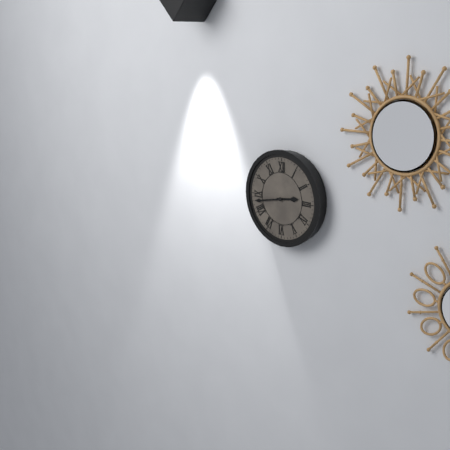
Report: h=2 m=43
